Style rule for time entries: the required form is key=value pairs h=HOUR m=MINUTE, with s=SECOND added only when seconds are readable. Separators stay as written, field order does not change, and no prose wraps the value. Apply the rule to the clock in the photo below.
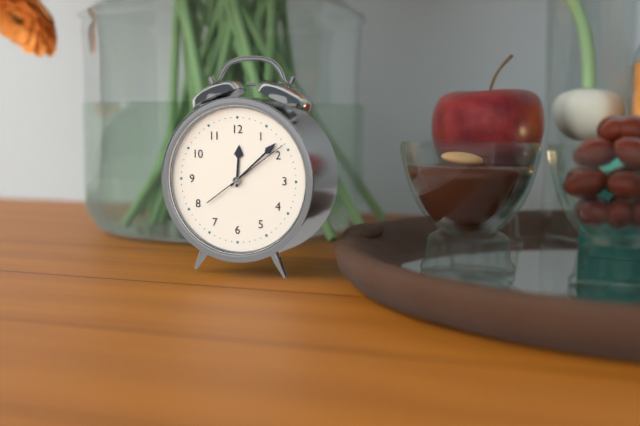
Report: h=12 m=8 s=9
